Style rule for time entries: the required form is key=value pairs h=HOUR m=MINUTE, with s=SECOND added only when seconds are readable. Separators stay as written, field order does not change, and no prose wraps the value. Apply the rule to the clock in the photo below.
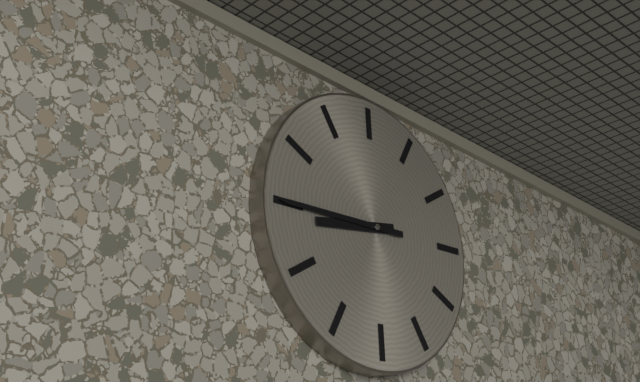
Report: h=8 m=45
